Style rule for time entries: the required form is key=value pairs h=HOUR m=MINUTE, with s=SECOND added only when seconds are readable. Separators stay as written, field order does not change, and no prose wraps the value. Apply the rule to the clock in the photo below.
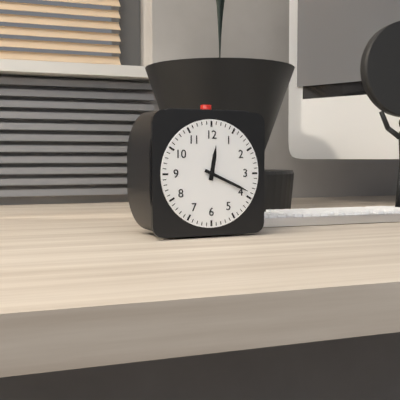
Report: h=12 m=19
